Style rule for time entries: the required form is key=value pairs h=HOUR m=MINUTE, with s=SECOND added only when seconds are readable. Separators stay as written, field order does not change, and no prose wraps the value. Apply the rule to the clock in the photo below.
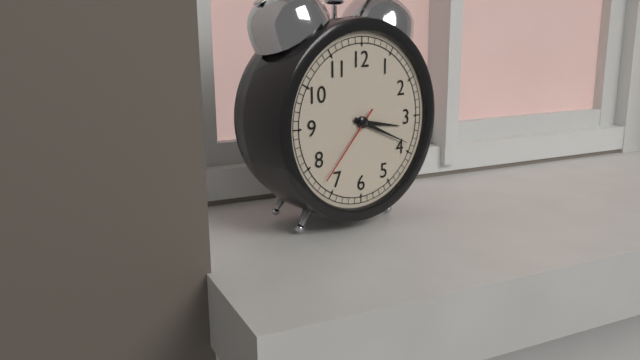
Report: h=3 m=19 s=37
